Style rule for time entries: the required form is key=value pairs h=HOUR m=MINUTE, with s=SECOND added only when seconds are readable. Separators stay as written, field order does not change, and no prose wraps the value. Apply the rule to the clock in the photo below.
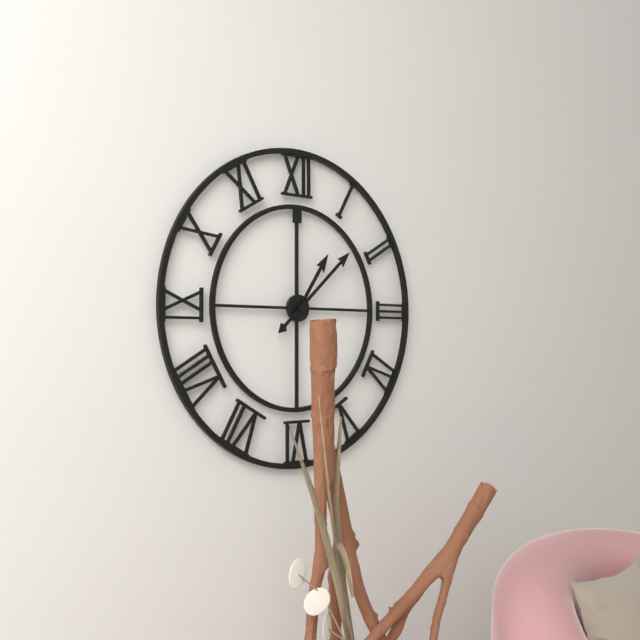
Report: h=1 m=8
